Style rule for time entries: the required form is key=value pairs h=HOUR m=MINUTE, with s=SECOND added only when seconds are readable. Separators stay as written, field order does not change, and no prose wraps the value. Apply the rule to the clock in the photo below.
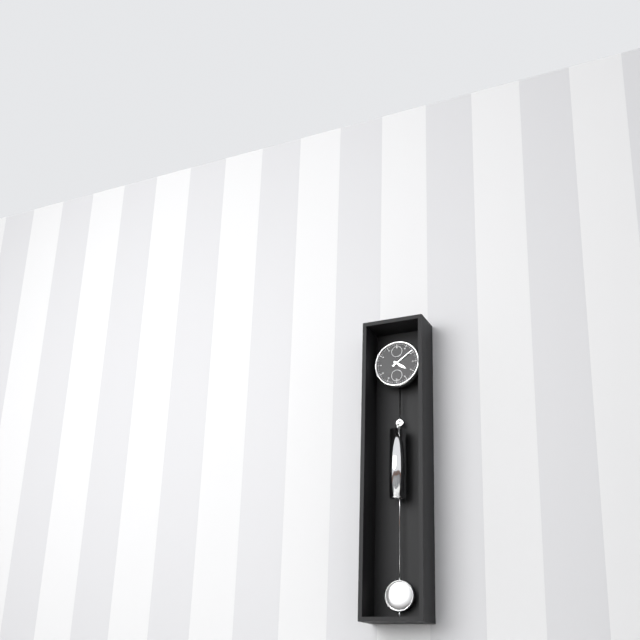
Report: h=4 m=9
